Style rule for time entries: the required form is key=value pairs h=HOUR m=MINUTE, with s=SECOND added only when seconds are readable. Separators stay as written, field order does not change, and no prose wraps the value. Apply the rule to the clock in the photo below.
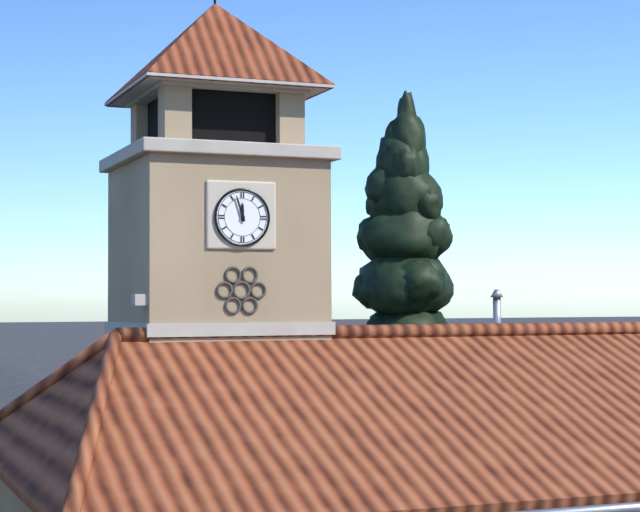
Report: h=11 m=57
